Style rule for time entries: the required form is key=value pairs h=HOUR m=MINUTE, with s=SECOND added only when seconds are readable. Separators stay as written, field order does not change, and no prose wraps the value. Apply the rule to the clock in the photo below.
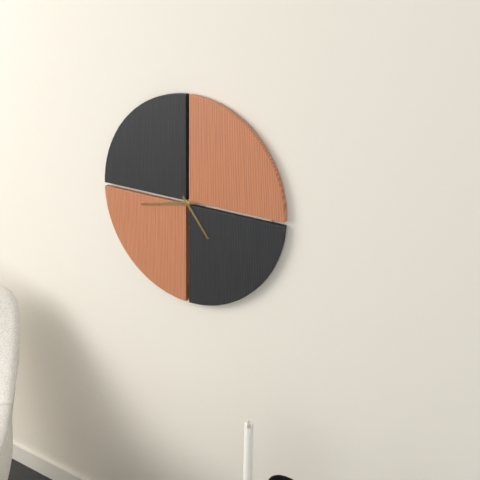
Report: h=4 m=43
